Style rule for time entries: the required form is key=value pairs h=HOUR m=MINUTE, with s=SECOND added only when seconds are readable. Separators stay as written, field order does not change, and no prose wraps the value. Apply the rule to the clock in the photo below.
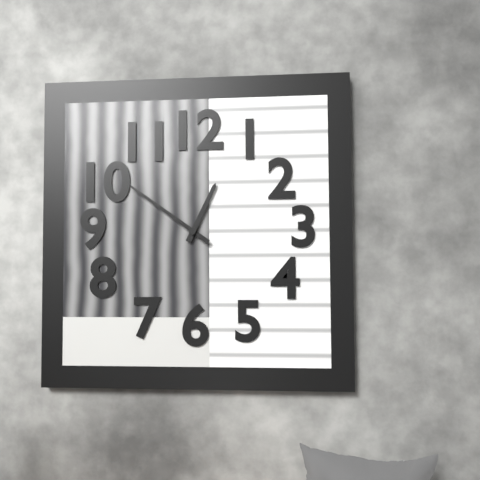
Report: h=12 m=51 s=51
